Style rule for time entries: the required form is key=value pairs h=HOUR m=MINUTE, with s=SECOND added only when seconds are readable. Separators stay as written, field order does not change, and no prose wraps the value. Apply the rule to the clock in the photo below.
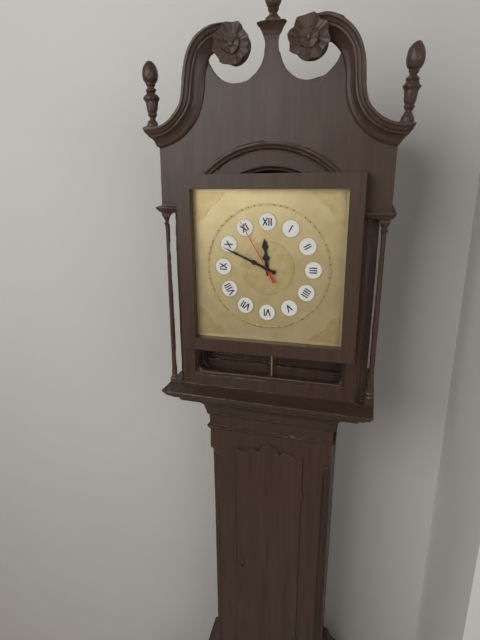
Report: h=11 m=49 s=55
